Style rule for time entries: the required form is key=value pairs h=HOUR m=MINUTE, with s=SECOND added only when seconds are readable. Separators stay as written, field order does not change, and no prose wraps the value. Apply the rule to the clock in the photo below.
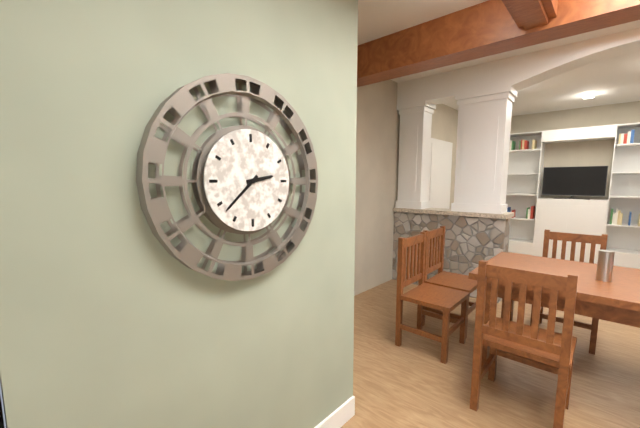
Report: h=2 m=38
